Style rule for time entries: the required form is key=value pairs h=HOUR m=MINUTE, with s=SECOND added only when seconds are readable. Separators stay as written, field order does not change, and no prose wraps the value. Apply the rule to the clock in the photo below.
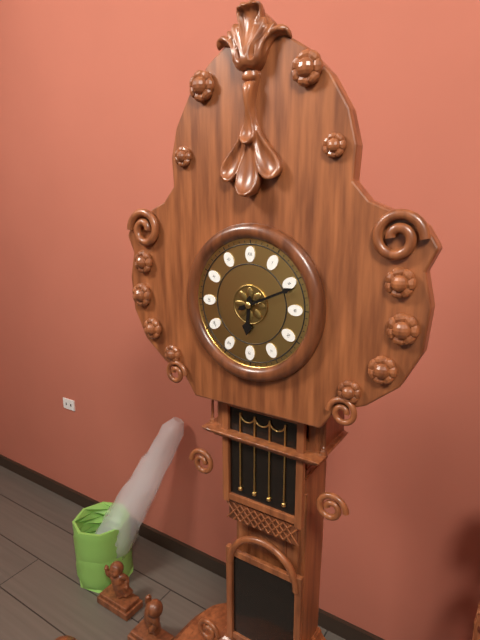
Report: h=6 m=11
